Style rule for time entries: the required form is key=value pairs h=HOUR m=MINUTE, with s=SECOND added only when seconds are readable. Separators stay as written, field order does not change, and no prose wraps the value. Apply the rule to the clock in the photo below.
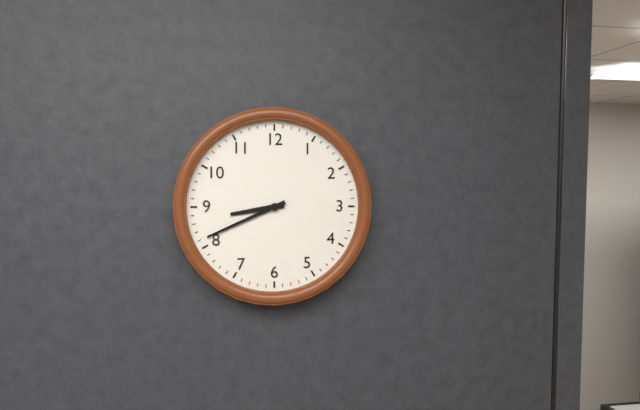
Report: h=8 m=41
